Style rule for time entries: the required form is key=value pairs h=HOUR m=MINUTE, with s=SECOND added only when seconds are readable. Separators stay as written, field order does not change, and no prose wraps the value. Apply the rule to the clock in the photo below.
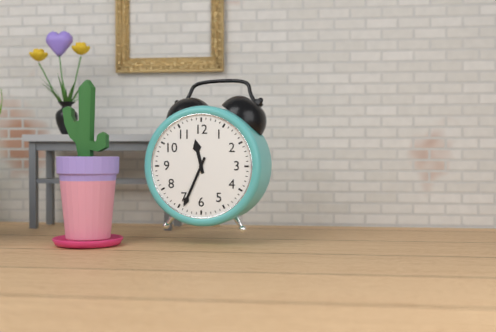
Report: h=11 m=34
